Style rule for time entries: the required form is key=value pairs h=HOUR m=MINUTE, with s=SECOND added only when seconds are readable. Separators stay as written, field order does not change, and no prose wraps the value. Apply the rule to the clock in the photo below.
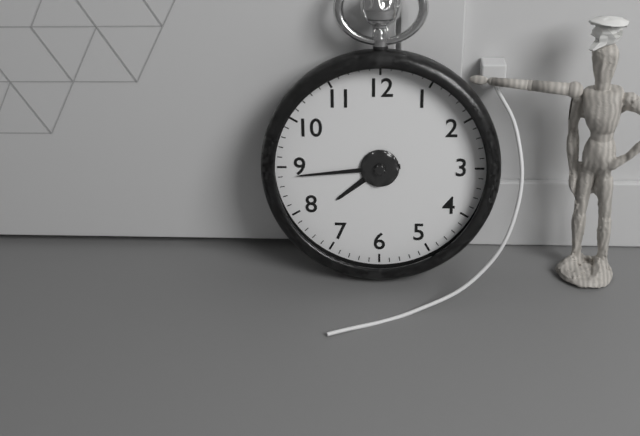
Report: h=7 m=44
